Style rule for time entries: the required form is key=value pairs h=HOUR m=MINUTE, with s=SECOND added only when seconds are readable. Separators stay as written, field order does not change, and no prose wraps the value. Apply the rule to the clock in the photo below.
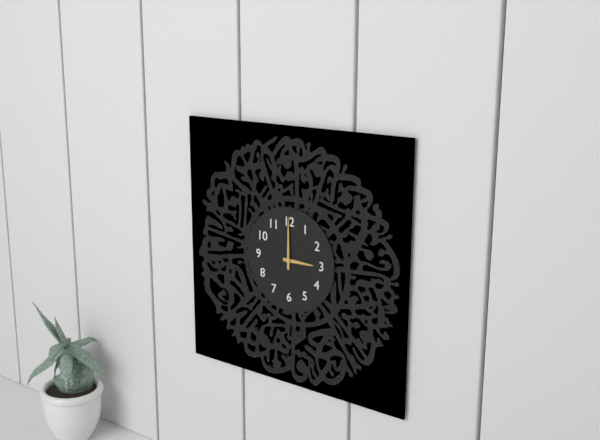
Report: h=3 m=0
